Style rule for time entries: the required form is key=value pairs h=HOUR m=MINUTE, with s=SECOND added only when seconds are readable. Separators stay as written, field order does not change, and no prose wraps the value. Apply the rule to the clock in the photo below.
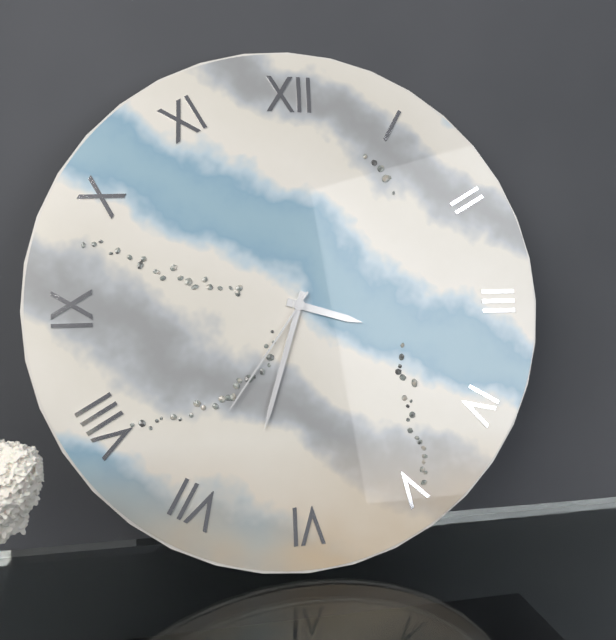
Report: h=3 m=33 s=36
